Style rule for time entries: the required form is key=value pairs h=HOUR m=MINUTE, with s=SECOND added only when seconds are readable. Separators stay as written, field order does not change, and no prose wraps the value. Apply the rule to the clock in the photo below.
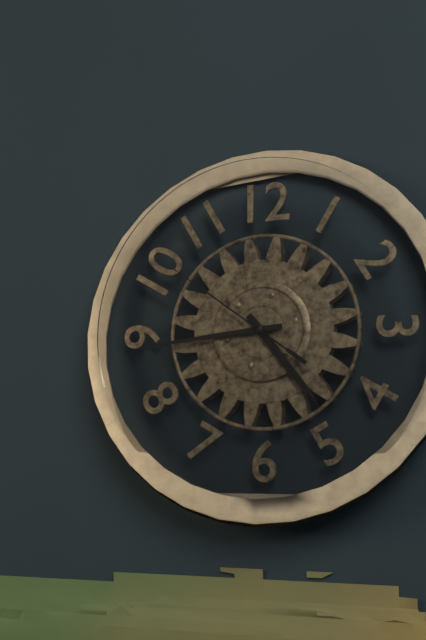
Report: h=4 m=44 s=51
